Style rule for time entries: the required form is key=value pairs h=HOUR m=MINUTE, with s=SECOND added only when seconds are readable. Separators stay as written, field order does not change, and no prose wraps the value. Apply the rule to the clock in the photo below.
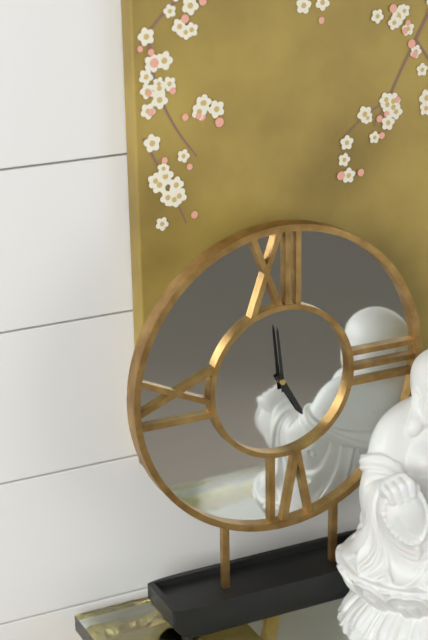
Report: h=4 m=59
